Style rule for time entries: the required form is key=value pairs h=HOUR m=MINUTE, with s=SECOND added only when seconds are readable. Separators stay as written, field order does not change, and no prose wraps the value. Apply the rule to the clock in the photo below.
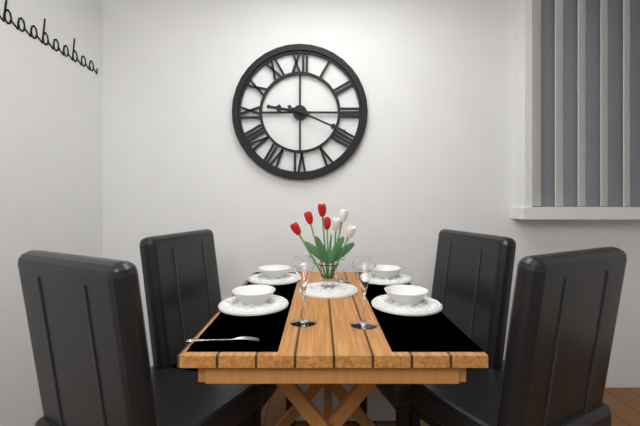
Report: h=9 m=19
